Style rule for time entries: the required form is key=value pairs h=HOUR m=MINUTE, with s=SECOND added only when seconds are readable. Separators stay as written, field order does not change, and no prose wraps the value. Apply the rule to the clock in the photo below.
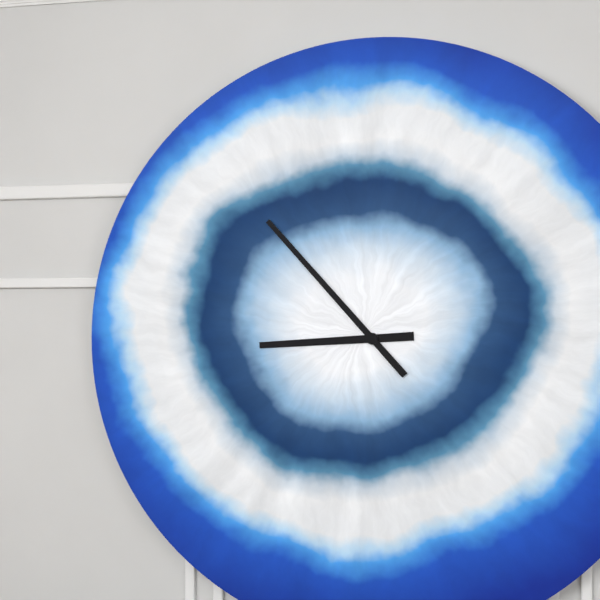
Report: h=8 m=53
